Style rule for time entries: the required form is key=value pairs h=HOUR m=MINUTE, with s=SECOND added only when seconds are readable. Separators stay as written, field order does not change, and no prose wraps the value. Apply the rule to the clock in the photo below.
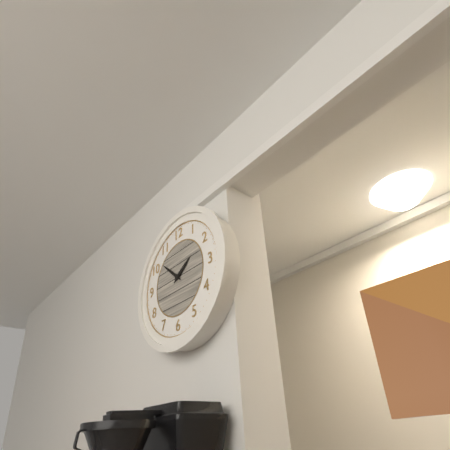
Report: h=1 m=52
